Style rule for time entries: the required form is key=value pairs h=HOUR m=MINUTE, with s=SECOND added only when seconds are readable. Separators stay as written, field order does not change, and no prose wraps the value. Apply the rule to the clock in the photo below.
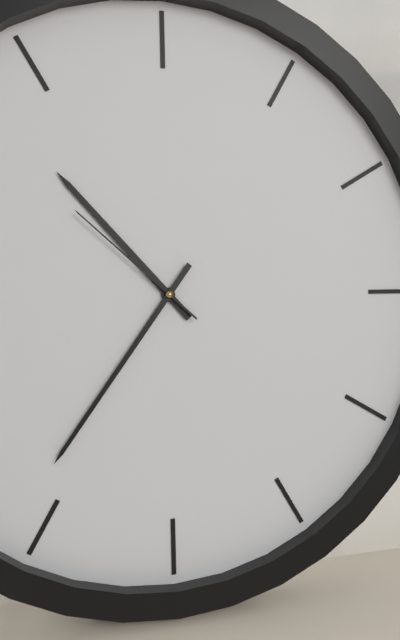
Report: h=10 m=36 s=52
